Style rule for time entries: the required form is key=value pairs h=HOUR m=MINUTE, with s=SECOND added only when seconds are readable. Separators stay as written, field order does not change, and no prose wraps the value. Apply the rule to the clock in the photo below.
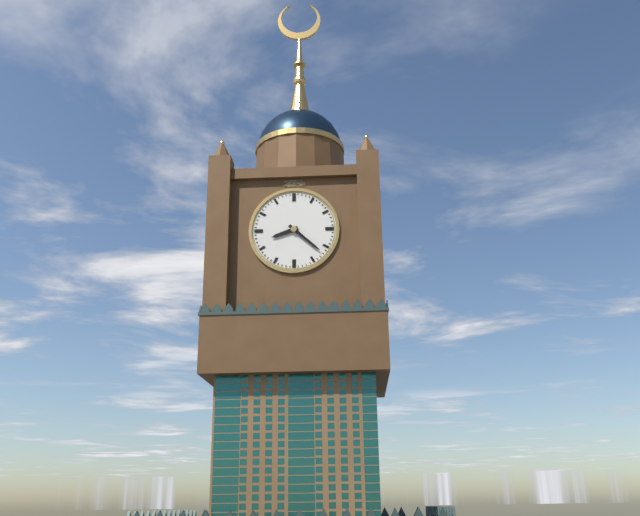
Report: h=8 m=22
